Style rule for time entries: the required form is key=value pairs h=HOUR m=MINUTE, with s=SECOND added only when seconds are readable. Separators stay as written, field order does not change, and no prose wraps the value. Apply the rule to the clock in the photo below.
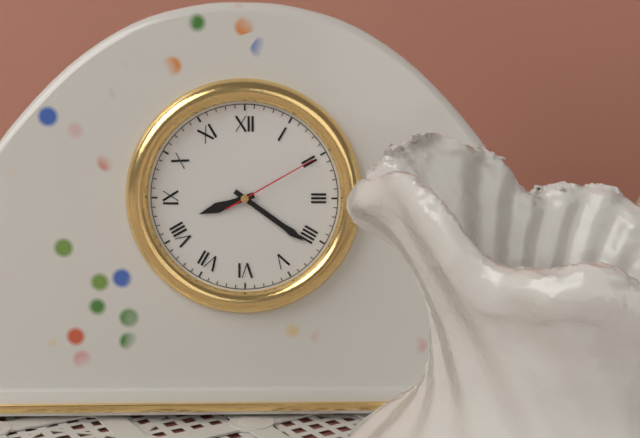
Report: h=8 m=21 s=10
